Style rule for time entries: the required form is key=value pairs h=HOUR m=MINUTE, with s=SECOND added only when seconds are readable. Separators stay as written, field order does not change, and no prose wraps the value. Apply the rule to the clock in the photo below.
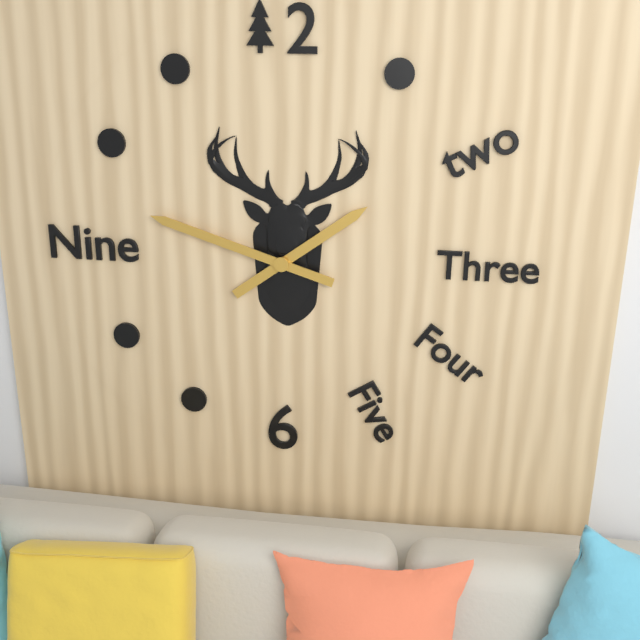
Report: h=1 m=48
